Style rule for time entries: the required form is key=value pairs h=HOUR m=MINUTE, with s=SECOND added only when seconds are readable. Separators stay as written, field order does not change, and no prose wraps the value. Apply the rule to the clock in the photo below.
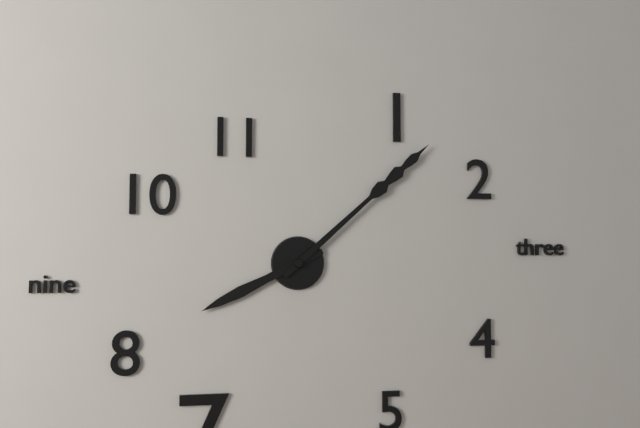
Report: h=8 m=8
